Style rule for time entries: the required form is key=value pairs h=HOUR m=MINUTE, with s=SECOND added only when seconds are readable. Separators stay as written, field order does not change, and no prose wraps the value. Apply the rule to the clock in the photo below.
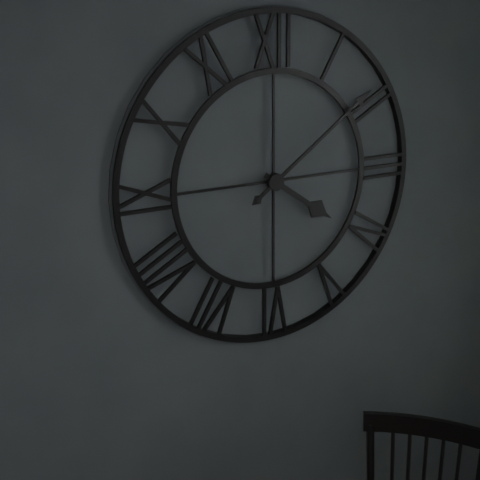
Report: h=4 m=9
